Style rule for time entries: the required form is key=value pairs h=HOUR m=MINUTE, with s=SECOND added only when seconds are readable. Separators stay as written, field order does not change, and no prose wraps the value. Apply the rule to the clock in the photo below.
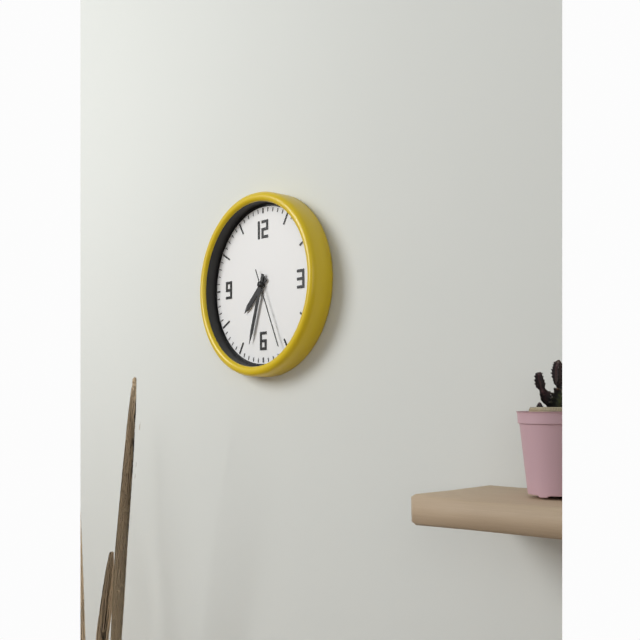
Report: h=7 m=33 s=26
